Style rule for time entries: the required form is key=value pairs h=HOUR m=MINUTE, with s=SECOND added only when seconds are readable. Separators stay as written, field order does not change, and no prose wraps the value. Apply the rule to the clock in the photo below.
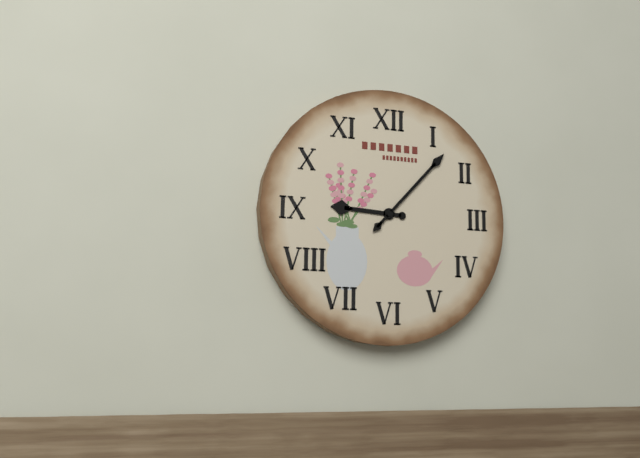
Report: h=9 m=7
